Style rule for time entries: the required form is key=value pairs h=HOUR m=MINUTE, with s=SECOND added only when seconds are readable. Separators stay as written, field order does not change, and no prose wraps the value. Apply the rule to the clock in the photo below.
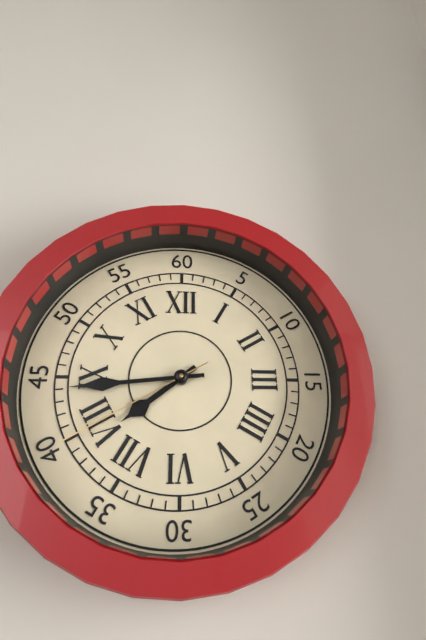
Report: h=7 m=44 s=40
